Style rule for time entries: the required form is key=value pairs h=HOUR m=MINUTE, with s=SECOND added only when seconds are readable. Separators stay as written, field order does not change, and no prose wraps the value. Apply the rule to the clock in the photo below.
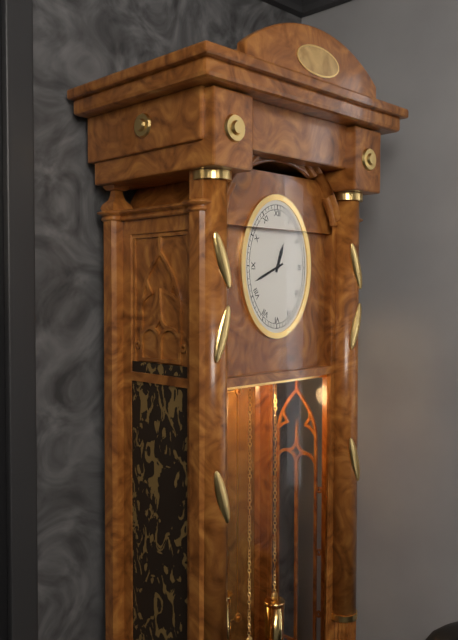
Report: h=12 m=41
